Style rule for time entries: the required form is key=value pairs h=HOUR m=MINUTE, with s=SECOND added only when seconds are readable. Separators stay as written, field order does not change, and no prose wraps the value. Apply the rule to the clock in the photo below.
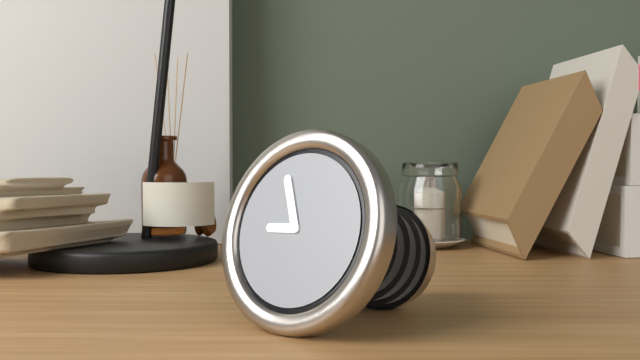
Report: h=8 m=56
